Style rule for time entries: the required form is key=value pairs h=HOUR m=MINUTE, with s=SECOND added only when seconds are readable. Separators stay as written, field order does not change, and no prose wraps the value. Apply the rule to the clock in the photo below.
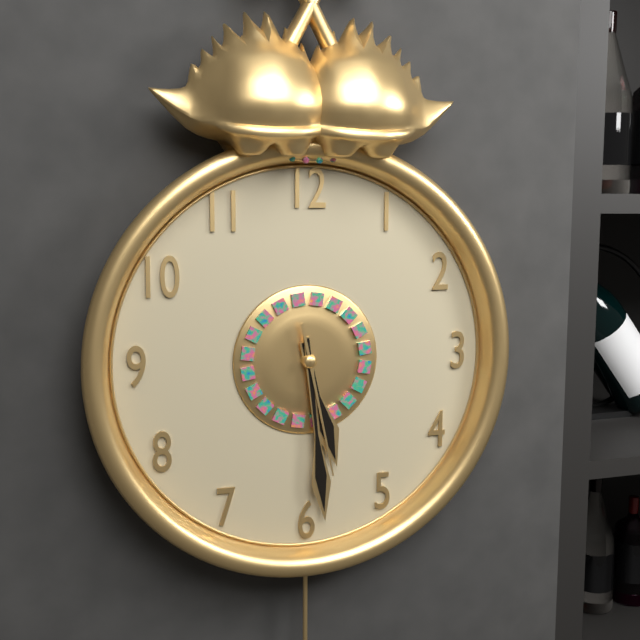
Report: h=5 m=29 s=28
